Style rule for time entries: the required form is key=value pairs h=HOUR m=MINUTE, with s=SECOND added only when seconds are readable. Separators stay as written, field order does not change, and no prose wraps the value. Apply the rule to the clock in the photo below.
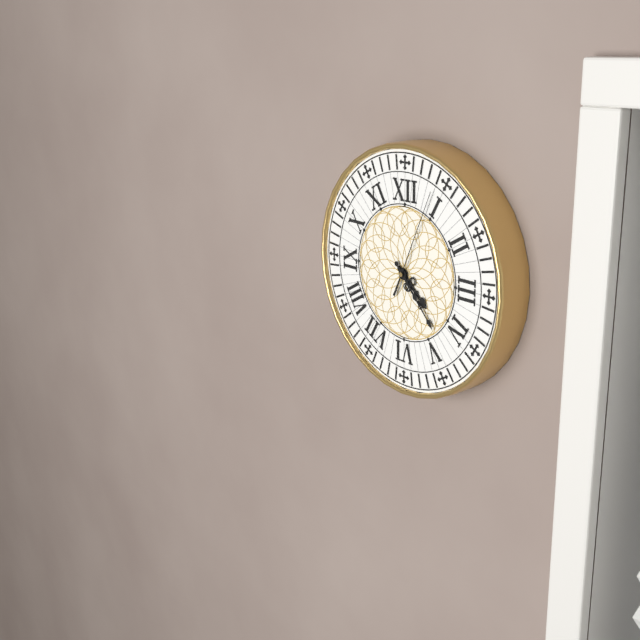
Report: h=4 m=23 s=4
